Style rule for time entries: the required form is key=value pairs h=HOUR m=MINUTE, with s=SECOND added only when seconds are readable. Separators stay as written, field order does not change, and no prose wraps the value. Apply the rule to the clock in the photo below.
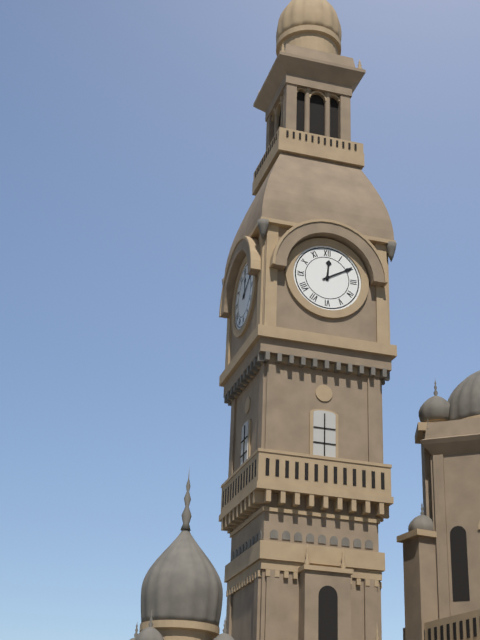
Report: h=12 m=10
